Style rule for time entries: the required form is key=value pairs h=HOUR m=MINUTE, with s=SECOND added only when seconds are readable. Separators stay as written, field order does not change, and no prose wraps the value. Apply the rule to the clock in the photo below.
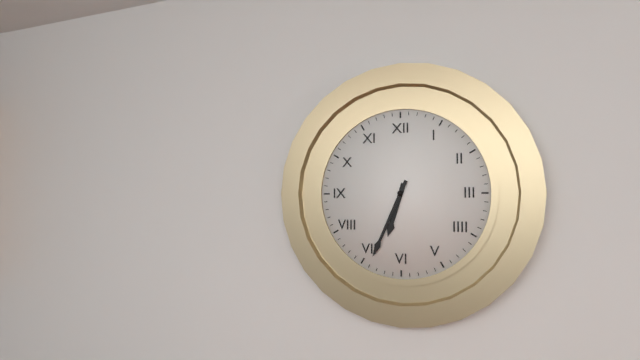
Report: h=6 m=34
